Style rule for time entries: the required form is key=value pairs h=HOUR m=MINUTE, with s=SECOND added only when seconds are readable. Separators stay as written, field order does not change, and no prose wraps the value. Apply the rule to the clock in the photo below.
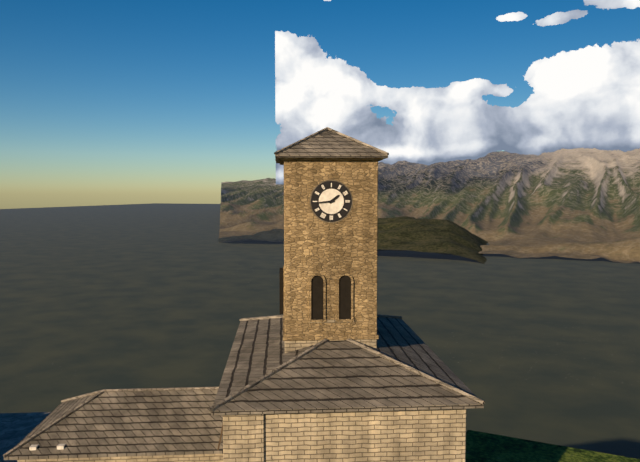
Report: h=1 m=44
